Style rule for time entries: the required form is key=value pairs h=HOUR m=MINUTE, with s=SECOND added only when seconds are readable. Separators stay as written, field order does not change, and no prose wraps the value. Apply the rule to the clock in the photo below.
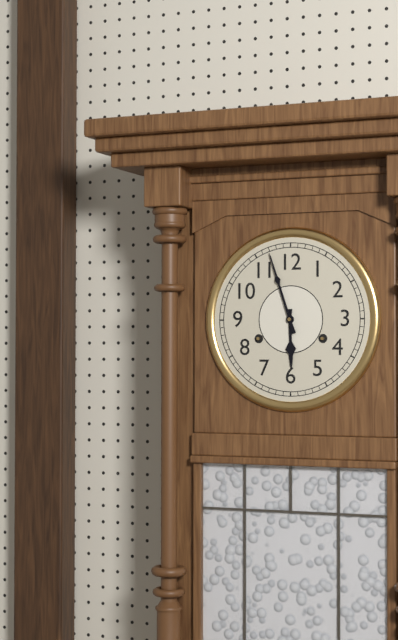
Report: h=5 m=57
